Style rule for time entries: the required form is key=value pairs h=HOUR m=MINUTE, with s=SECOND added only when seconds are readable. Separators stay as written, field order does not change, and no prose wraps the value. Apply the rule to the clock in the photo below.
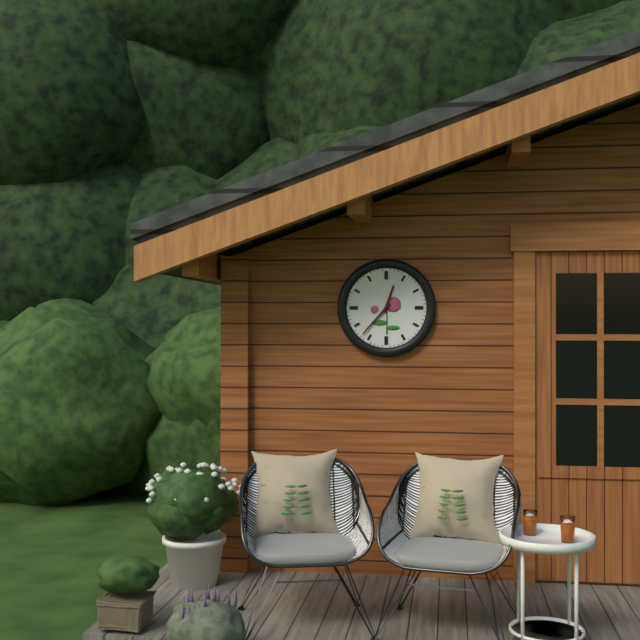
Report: h=12 m=37
